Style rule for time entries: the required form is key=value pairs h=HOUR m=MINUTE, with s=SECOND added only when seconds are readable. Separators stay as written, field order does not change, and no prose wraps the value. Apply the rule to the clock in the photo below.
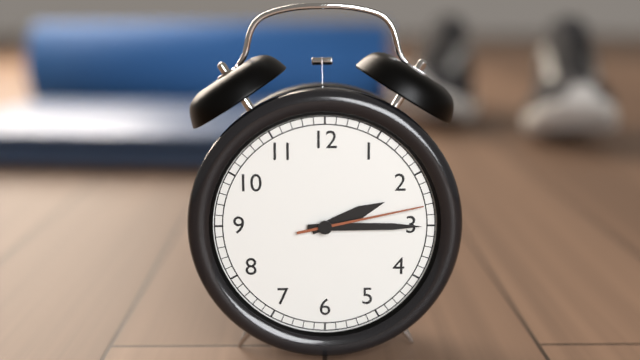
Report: h=2 m=15 s=13
